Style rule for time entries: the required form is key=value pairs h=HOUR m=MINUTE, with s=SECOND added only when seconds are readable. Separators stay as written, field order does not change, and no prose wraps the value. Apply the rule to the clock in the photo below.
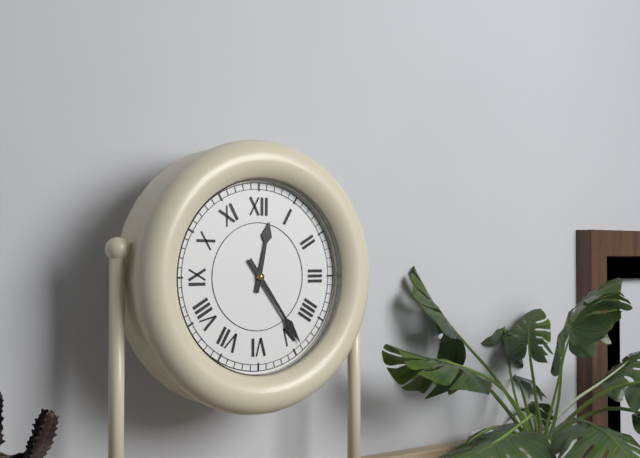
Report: h=12 m=24
